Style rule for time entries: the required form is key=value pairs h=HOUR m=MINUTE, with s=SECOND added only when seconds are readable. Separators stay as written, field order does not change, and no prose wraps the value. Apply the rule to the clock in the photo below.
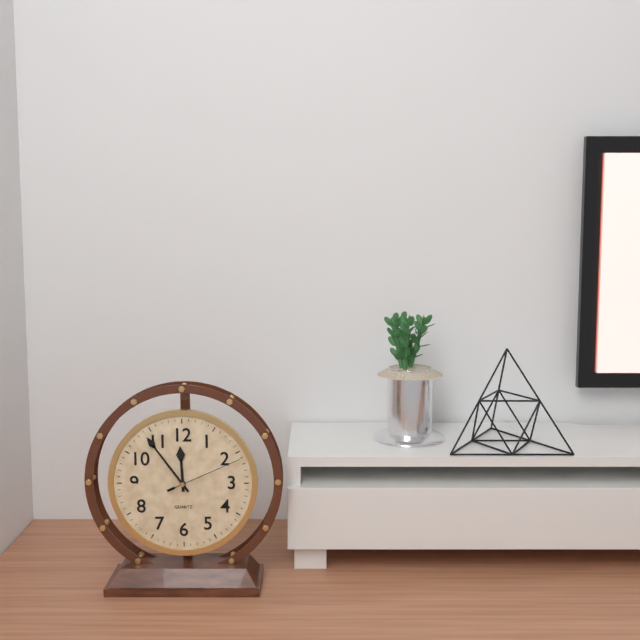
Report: h=11 m=54 s=11
